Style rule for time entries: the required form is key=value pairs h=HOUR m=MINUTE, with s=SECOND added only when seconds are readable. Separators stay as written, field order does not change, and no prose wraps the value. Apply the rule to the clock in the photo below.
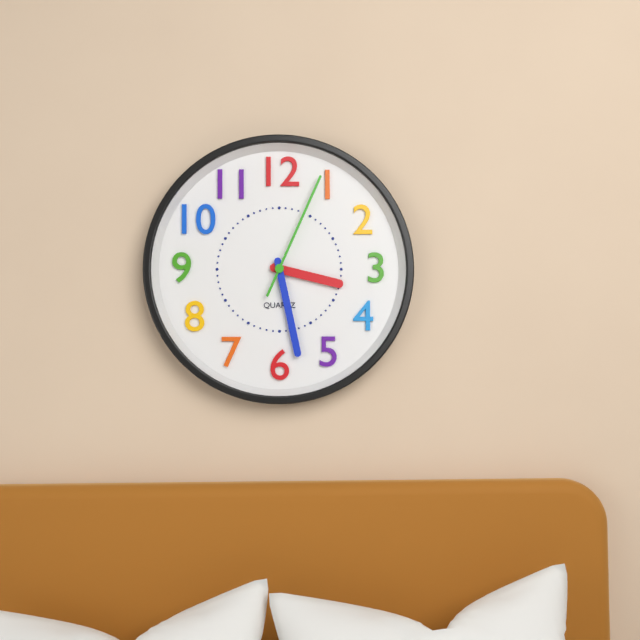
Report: h=3 m=28 s=4
